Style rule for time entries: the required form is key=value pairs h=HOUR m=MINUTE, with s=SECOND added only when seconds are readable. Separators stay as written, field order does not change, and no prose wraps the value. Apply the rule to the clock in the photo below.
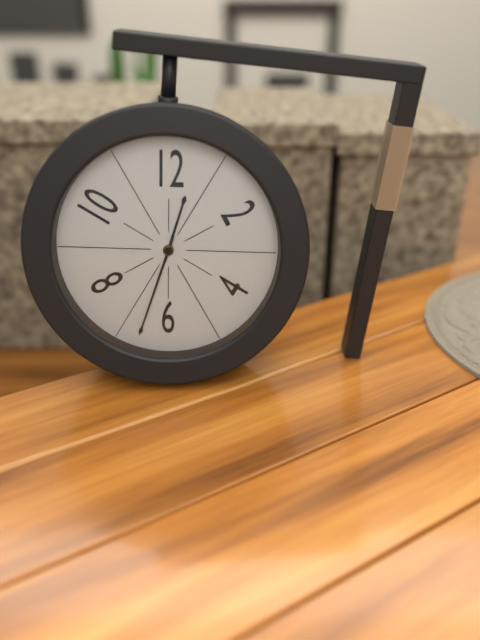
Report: h=12 m=33
